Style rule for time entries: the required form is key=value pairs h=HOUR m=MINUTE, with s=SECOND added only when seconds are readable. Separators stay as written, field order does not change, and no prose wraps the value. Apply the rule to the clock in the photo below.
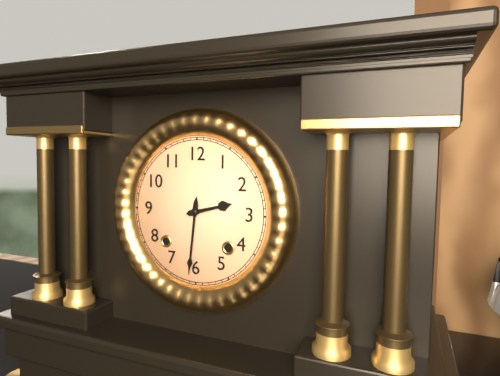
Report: h=2 m=31
